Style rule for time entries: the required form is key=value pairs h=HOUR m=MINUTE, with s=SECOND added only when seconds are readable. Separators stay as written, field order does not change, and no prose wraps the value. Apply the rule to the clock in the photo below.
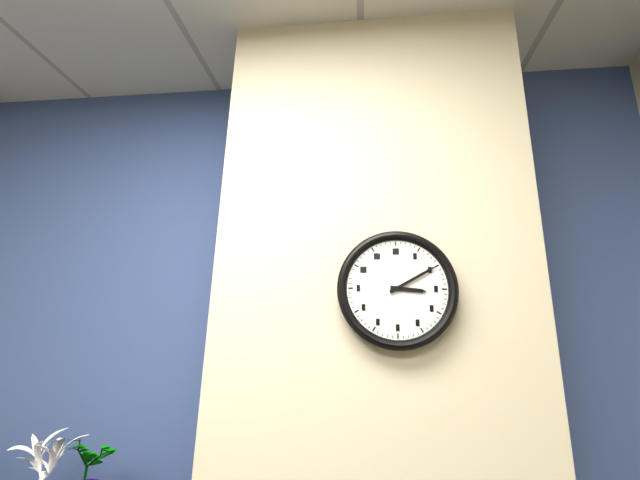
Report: h=3 m=10
